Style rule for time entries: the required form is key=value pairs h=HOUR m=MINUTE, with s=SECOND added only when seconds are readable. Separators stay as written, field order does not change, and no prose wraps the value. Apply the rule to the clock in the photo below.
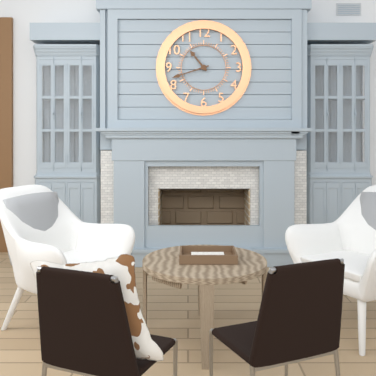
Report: h=10 m=42
